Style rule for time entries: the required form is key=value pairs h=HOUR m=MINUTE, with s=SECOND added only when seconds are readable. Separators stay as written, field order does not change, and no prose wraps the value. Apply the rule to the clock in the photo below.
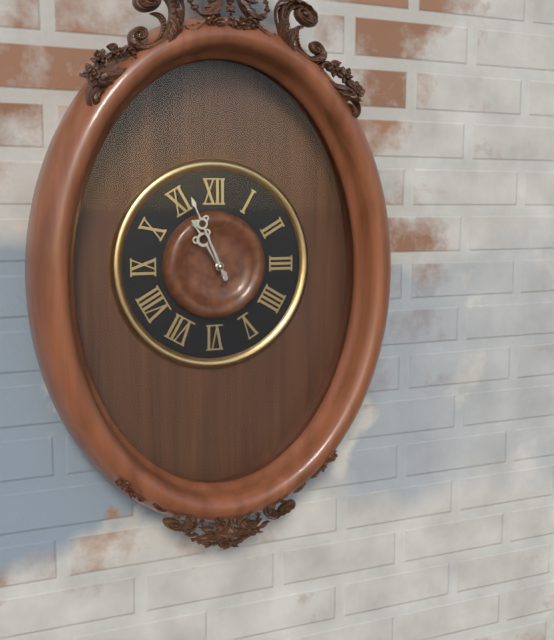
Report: h=10 m=56
